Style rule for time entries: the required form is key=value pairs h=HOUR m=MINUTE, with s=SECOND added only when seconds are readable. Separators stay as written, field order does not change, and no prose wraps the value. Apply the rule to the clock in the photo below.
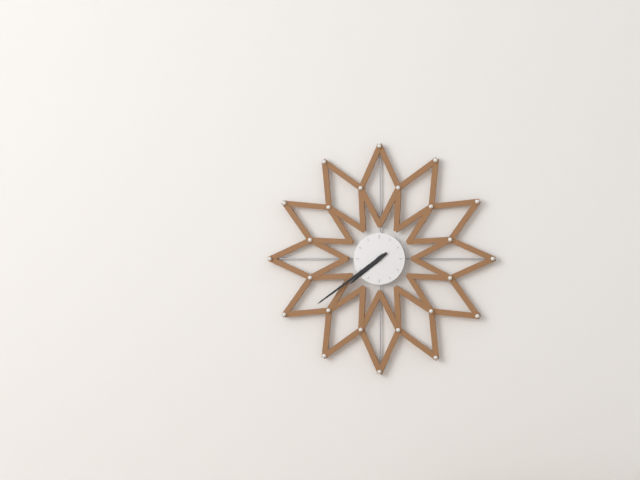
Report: h=7 m=39
